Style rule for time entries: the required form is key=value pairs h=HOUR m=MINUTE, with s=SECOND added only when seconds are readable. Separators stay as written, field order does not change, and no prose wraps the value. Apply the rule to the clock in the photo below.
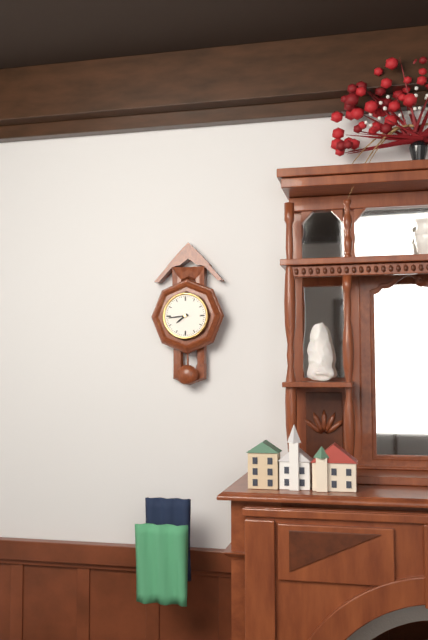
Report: h=7 m=44
